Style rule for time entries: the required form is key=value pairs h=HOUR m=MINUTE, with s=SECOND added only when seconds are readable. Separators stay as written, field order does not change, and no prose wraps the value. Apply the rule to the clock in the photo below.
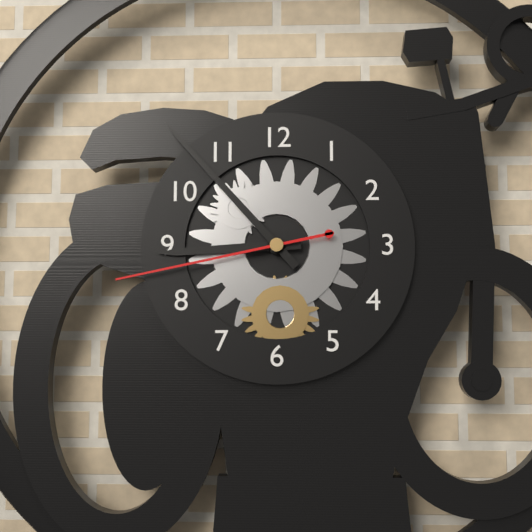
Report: h=8 m=53 s=43
